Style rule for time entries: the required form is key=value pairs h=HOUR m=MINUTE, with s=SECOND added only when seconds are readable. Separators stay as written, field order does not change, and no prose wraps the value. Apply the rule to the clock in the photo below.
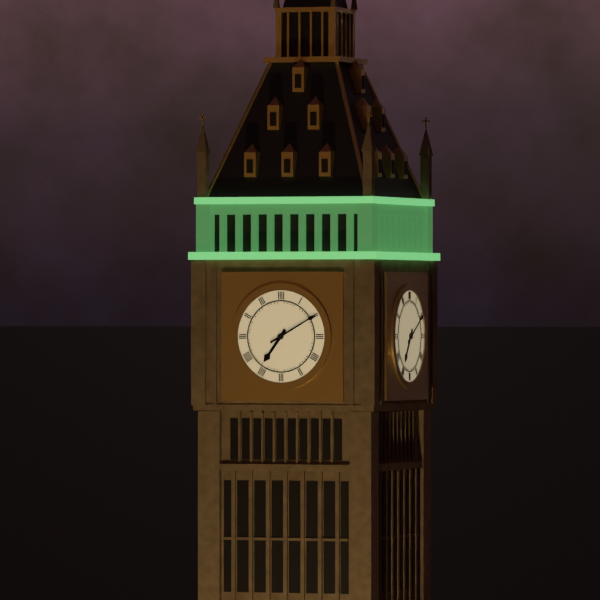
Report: h=7 m=10
